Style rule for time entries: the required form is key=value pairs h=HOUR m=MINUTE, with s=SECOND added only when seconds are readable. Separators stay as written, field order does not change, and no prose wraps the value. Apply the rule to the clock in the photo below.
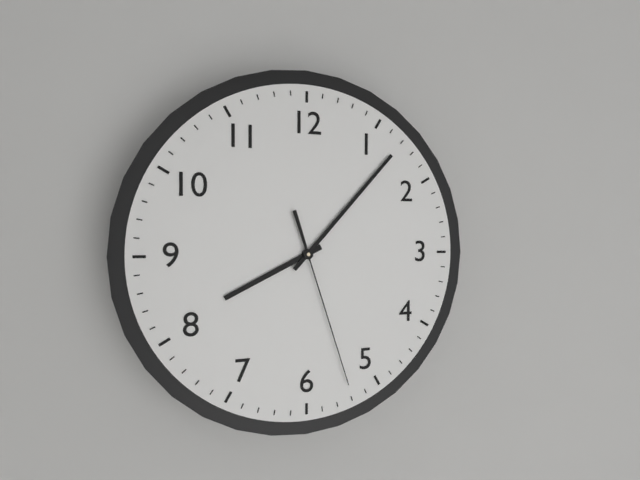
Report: h=8 m=7 s=27
